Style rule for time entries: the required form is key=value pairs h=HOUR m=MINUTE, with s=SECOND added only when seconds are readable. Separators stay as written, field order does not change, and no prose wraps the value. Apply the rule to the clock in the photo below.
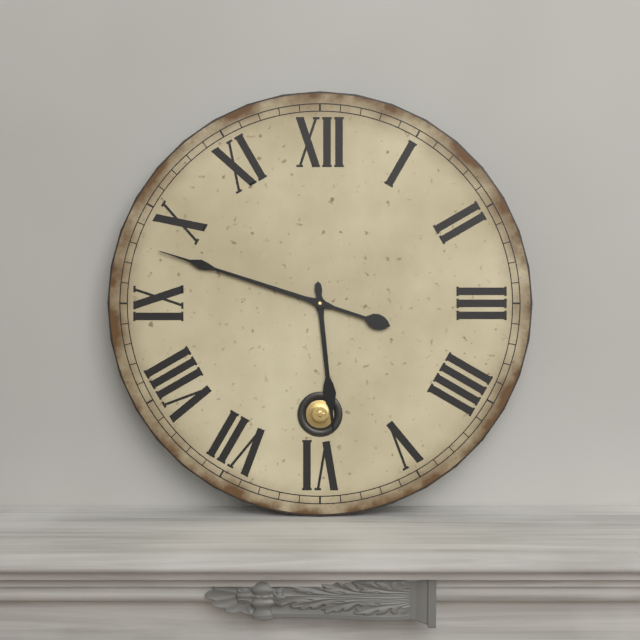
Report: h=5 m=48
